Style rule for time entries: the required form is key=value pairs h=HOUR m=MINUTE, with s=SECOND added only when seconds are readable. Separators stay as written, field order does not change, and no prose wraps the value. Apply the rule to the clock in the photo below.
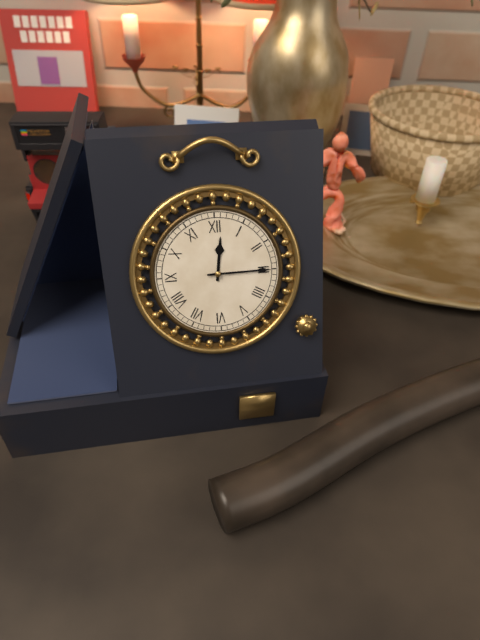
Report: h=12 m=15
